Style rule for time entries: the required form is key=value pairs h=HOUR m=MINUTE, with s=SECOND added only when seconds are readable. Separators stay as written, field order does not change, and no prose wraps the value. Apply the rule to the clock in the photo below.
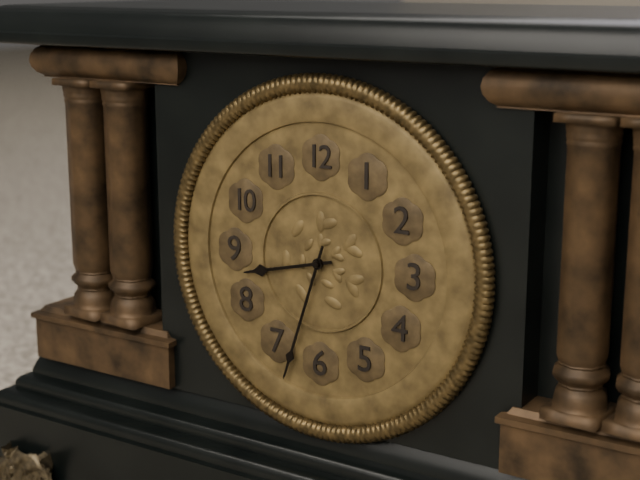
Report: h=8 m=33
